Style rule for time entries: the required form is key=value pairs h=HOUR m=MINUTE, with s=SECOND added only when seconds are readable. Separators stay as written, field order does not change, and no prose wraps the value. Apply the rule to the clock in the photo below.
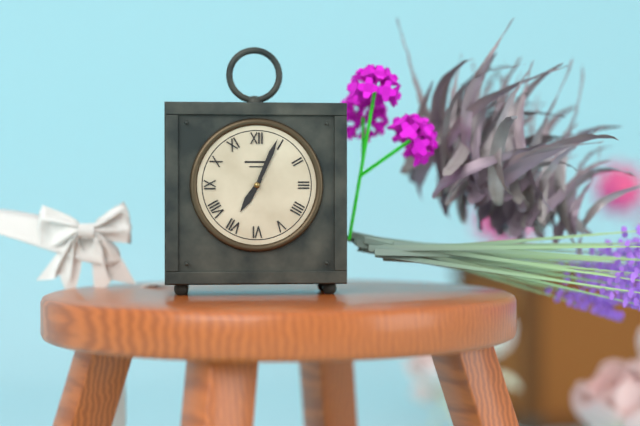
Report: h=7 m=4
